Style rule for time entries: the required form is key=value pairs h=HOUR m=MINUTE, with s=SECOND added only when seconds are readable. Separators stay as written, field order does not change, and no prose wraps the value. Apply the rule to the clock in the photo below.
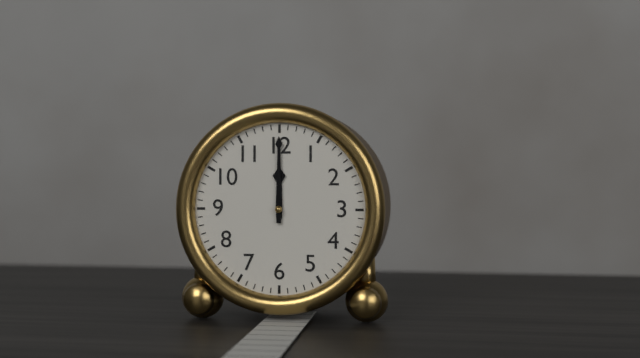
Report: h=12 m=0
